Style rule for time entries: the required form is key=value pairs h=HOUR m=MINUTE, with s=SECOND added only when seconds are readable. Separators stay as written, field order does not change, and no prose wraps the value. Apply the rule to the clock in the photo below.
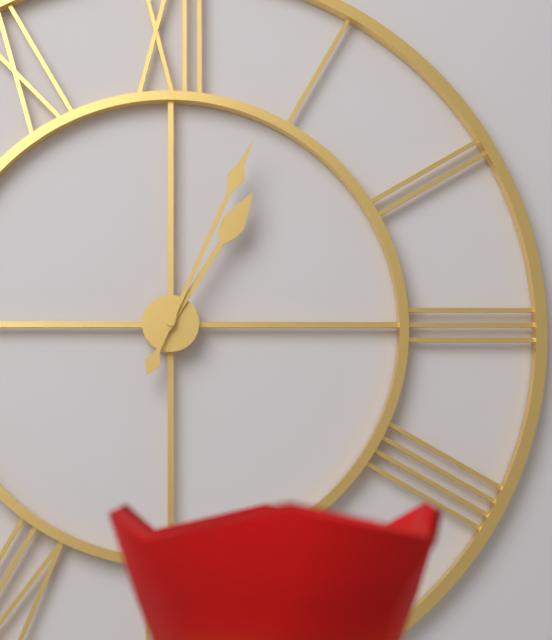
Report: h=1 m=4
